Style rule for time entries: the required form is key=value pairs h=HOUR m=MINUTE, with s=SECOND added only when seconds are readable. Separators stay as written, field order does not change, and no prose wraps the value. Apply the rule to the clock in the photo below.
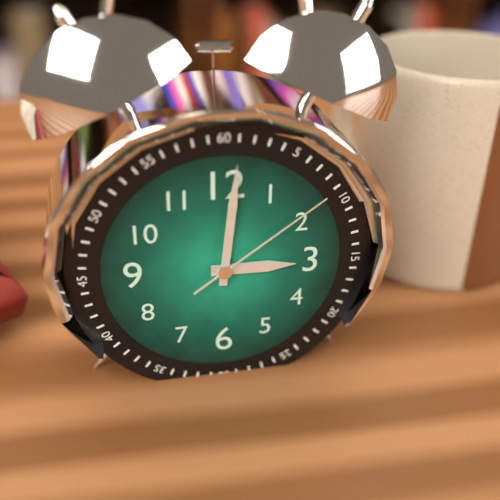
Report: h=3 m=1 s=9
